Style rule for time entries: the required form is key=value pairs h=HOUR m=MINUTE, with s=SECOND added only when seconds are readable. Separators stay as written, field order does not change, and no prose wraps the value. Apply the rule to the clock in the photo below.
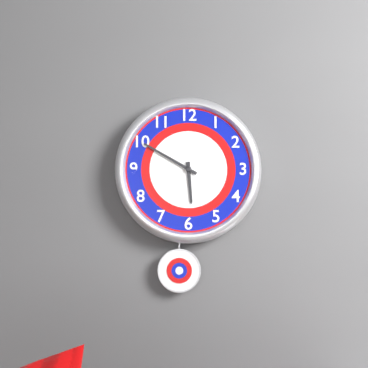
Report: h=5 m=50
